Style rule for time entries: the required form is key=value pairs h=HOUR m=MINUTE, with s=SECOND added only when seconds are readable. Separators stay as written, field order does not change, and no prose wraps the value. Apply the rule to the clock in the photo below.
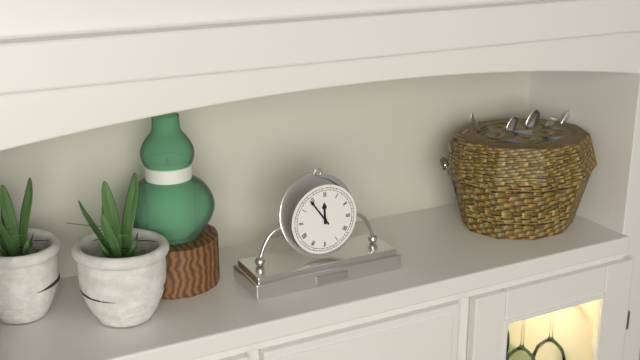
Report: h=11 m=54
